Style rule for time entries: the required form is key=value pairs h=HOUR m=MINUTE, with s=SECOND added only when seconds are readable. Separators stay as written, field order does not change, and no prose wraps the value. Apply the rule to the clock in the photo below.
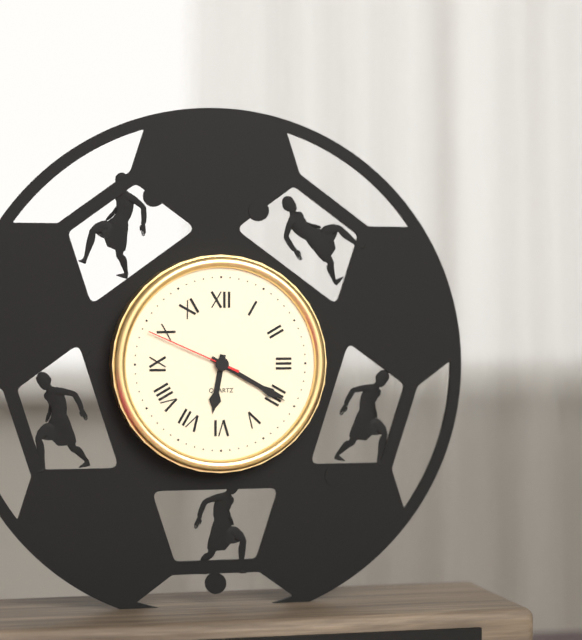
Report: h=6 m=20 s=49
